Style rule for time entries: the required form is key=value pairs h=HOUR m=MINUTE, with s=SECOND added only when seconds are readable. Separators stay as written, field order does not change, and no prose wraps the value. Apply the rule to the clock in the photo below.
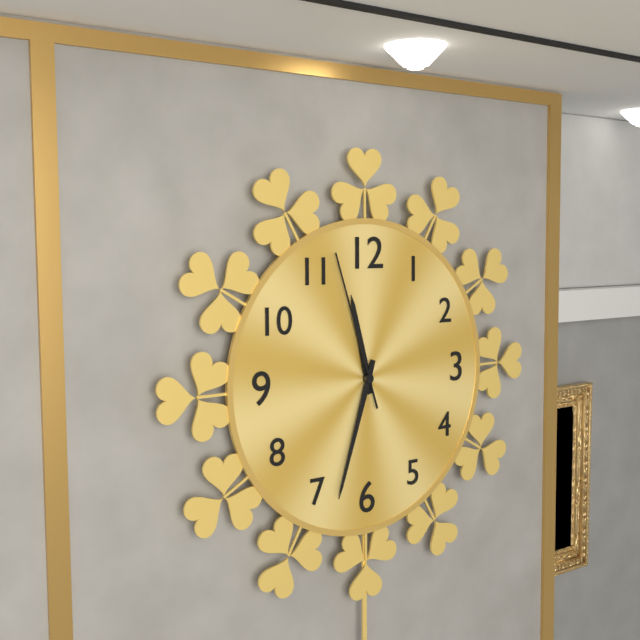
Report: h=11 m=33 s=57
